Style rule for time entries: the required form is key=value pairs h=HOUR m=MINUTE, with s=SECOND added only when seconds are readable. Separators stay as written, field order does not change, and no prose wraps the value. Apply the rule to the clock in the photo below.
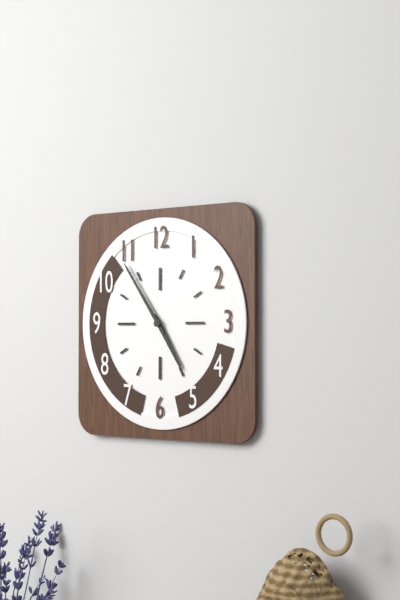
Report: h=4 m=54
